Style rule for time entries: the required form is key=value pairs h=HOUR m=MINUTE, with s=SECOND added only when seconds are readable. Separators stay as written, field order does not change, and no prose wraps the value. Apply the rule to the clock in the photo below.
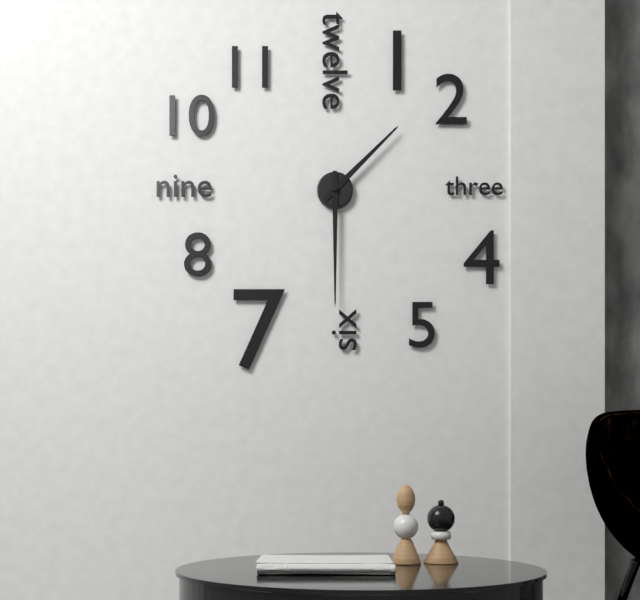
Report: h=1 m=30
